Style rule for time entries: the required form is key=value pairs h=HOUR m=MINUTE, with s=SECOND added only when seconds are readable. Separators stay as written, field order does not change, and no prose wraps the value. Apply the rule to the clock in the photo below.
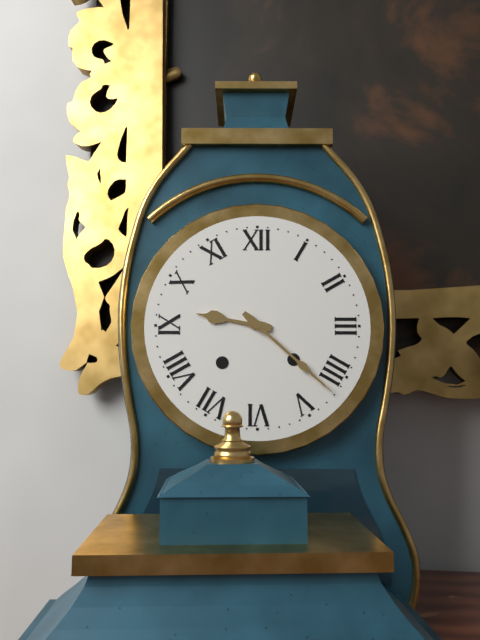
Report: h=9 m=22
